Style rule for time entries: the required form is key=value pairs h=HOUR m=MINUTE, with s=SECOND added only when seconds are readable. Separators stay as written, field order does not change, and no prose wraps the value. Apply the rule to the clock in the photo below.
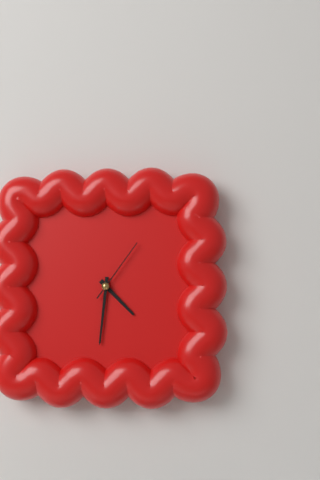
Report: h=4 m=31 s=6
